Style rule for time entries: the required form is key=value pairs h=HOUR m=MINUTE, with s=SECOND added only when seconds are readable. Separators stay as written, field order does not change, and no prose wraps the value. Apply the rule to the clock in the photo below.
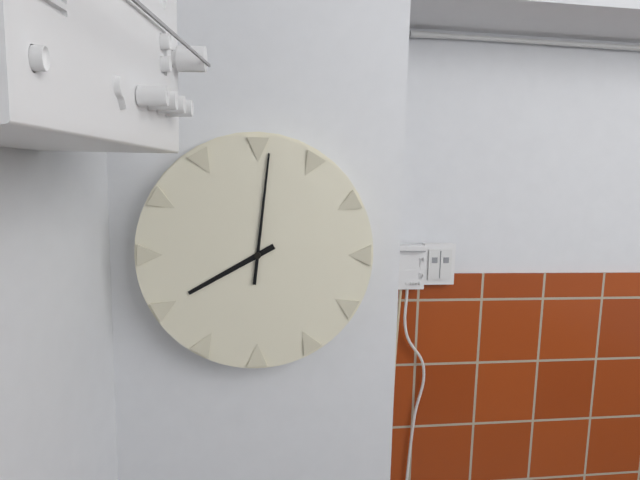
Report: h=8 m=1
